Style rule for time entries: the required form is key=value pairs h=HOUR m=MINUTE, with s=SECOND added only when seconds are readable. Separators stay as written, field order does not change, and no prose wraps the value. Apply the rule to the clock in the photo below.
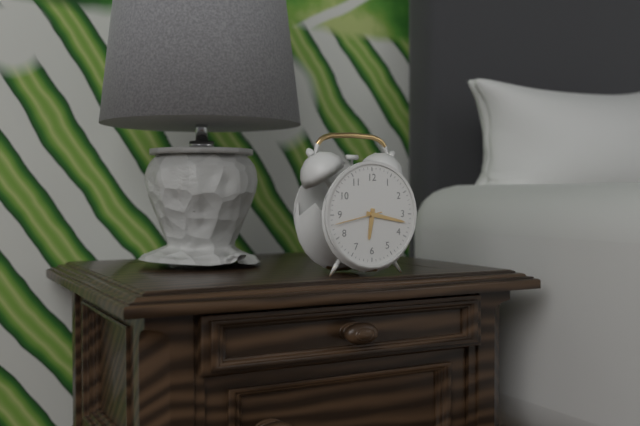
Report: h=6 m=17
